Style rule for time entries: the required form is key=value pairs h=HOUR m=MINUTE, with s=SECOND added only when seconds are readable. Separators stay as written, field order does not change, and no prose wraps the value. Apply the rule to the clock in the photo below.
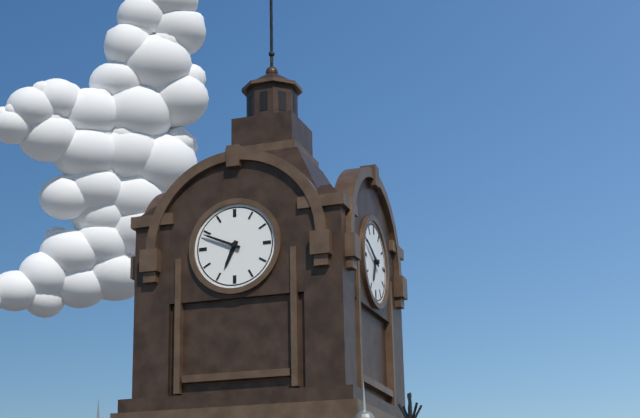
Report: h=6 m=49
